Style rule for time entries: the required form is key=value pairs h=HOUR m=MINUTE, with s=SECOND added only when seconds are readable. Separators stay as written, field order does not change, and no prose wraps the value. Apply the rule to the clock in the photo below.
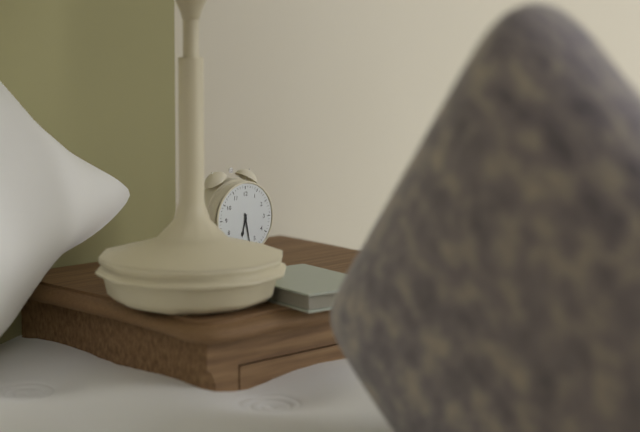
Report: h=6 m=28
